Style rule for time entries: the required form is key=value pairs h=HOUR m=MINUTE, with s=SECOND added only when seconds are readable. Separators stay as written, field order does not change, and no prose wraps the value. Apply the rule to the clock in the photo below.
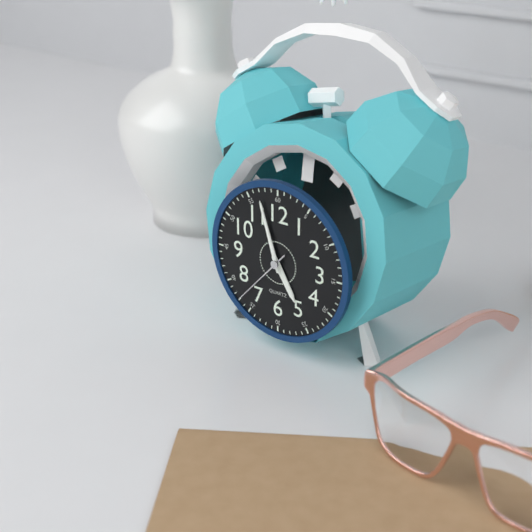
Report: h=4 m=57 s=37
